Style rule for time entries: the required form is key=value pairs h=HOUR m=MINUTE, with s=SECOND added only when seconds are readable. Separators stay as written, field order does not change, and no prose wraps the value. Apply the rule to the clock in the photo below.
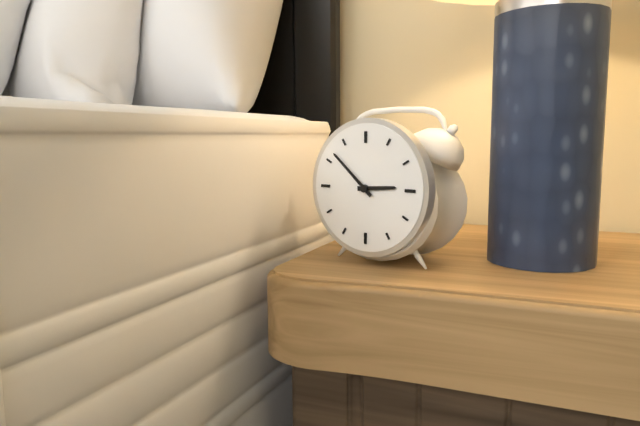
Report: h=2 m=52
